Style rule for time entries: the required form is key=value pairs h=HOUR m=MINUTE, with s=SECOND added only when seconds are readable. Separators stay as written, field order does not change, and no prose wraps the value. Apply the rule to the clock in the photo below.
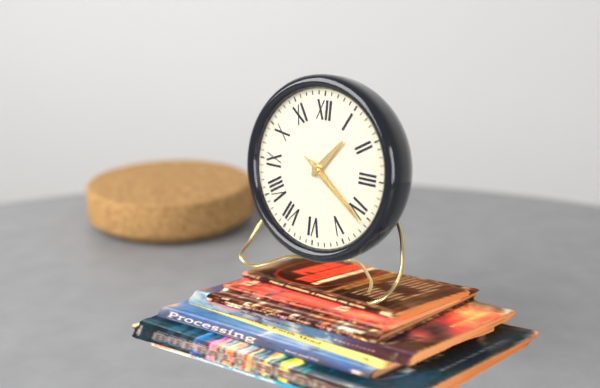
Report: h=1 m=21 s=21
